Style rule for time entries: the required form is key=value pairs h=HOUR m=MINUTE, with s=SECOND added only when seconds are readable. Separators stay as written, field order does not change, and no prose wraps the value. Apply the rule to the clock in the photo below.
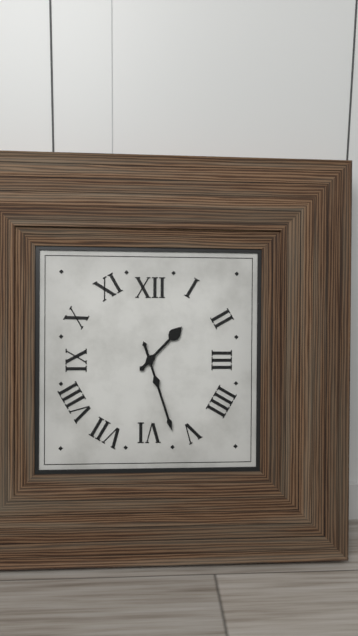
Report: h=1 m=27
